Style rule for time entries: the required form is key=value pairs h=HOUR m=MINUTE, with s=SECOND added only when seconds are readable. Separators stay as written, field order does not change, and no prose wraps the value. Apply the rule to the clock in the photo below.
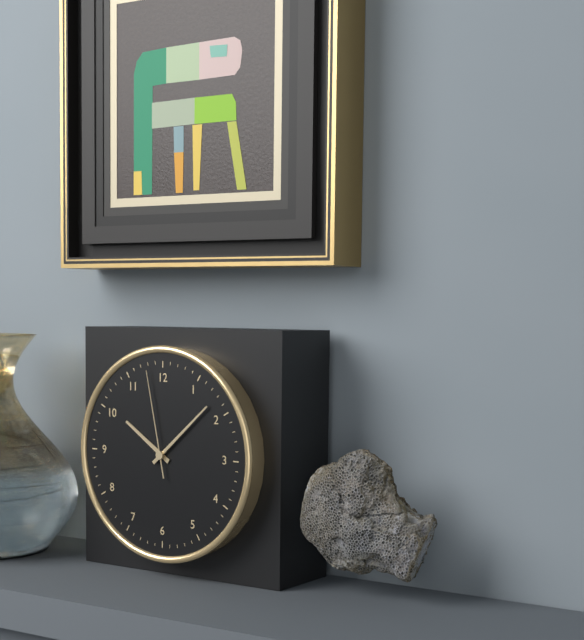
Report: h=10 m=8 s=58
